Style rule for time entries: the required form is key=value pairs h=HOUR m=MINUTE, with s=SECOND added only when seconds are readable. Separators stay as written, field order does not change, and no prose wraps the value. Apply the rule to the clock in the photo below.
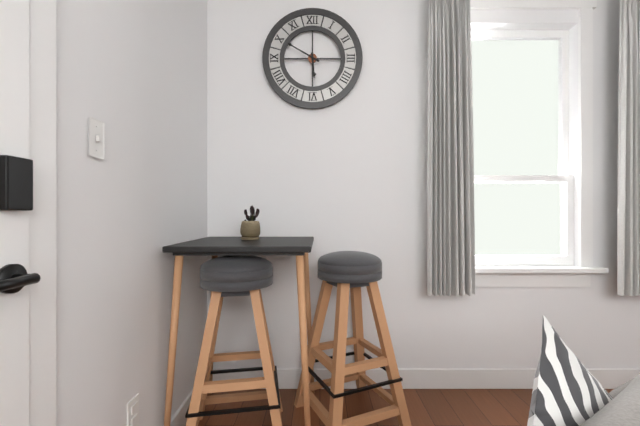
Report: h=5 m=50
